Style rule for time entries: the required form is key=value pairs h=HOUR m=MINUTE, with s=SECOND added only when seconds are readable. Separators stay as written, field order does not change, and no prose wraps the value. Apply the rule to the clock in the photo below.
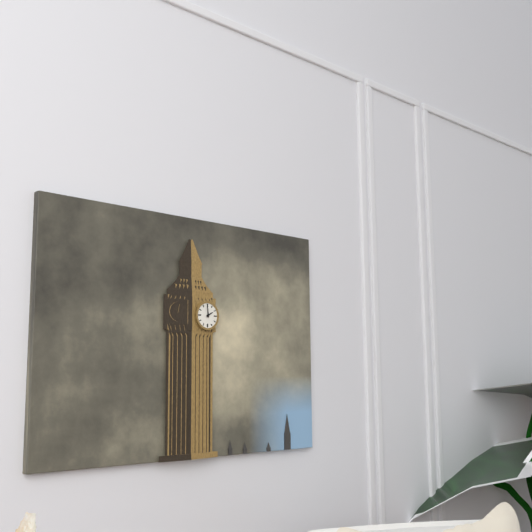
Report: h=1 m=59
